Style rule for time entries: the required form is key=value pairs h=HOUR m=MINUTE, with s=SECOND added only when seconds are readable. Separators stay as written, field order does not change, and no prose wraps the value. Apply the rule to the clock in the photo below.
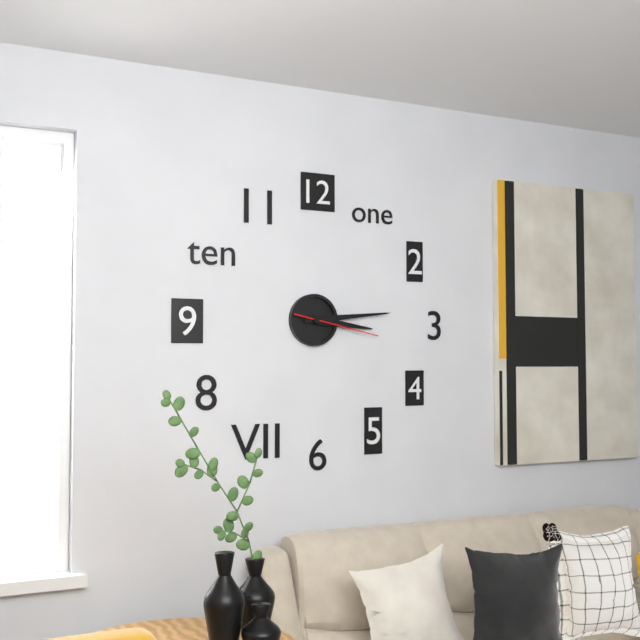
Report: h=3 m=14 s=17
